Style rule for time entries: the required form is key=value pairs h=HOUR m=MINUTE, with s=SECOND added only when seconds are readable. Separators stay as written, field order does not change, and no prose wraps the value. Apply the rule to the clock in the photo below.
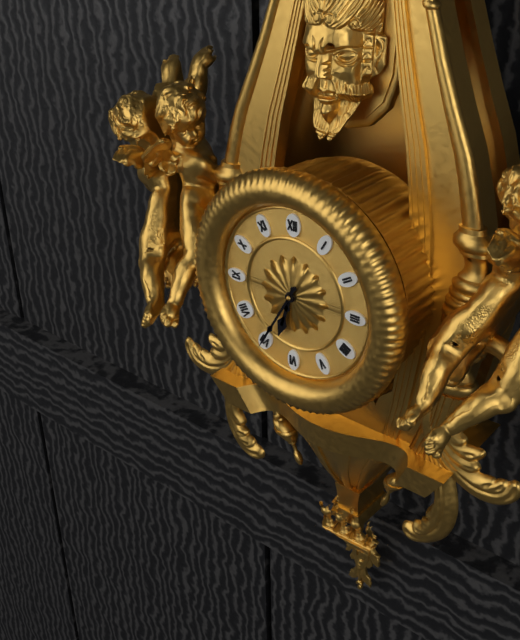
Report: h=6 m=35
